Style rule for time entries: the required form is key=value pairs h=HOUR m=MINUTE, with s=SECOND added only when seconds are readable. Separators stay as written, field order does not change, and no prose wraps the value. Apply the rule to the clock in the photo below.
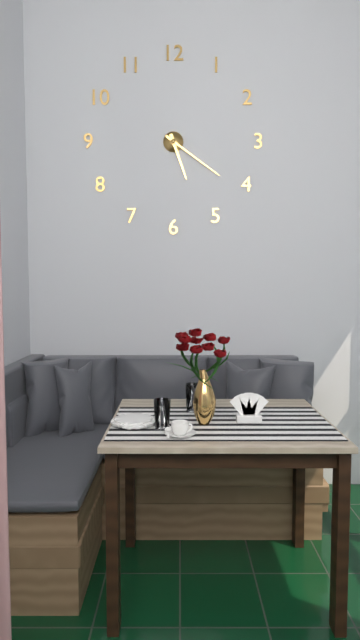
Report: h=5 m=21
